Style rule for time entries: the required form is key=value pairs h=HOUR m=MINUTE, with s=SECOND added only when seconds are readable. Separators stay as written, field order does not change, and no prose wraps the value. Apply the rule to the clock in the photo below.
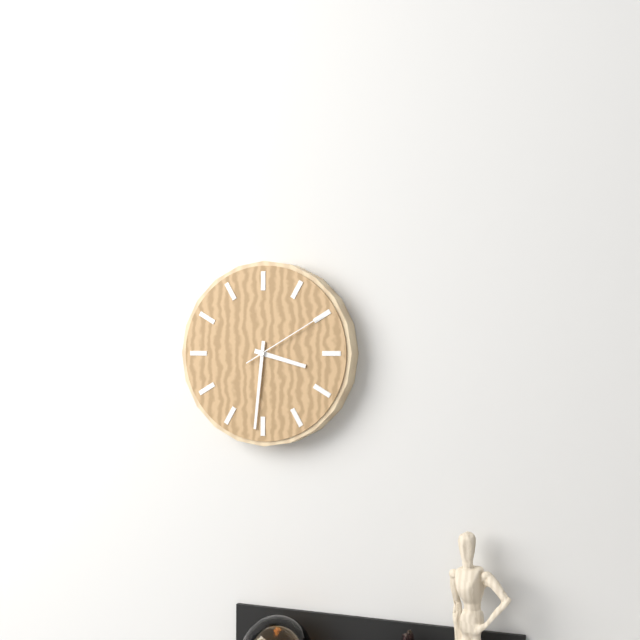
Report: h=3 m=31 s=10
